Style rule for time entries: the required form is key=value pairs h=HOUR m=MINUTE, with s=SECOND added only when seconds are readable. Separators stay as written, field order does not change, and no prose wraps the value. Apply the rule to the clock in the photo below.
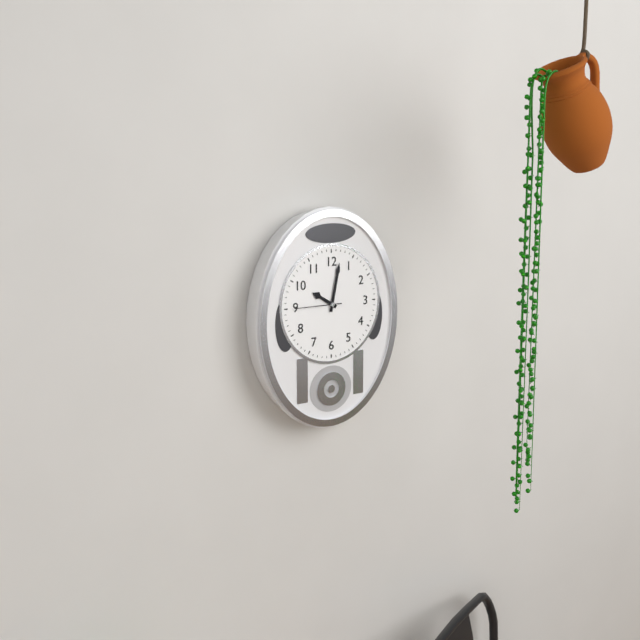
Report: h=10 m=2
